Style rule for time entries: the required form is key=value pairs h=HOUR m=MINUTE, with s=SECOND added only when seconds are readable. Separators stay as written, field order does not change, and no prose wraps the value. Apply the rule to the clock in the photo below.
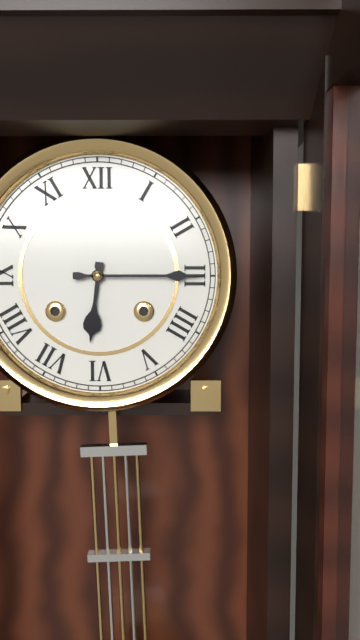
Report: h=6 m=15
